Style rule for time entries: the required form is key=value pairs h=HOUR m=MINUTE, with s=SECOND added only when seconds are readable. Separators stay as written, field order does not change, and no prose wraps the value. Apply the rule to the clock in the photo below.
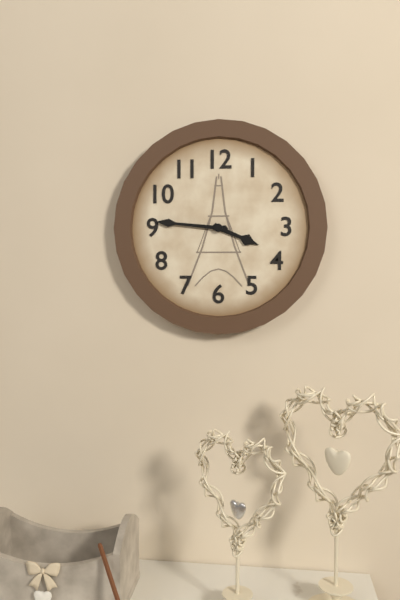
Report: h=3 m=46
